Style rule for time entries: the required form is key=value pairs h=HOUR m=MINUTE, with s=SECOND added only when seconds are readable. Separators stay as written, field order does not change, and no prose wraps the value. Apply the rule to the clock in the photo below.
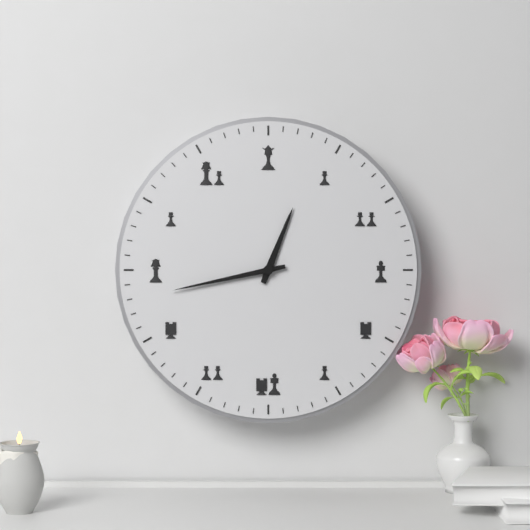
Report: h=12 m=43
